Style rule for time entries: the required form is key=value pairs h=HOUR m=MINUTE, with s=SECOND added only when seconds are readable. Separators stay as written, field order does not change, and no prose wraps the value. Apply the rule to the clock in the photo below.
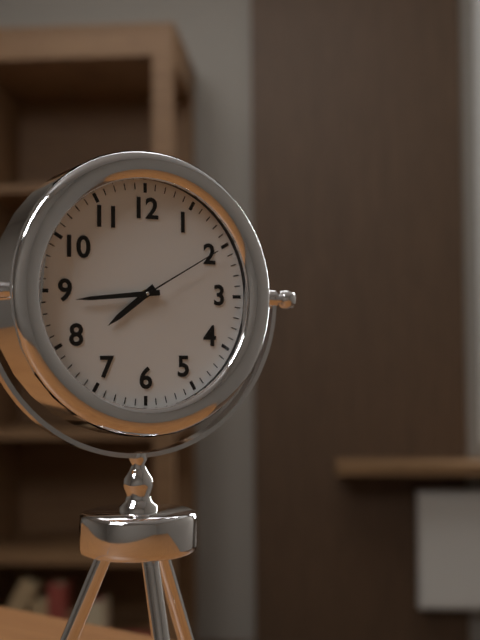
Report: h=7 m=44 s=10
